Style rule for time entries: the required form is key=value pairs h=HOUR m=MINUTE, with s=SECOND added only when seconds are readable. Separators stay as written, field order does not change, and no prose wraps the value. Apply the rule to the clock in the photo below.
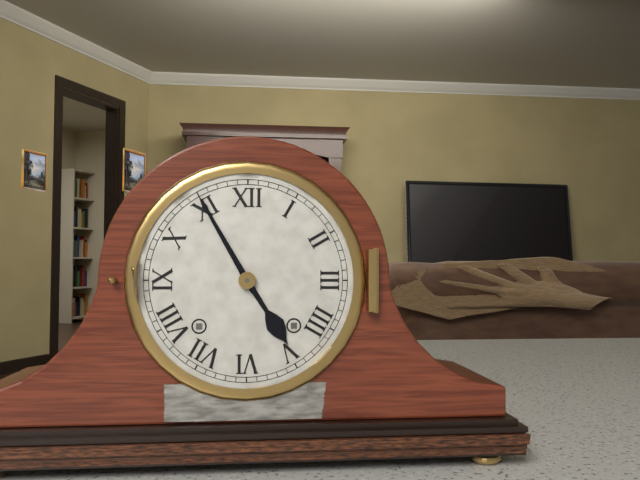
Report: h=4 m=55
